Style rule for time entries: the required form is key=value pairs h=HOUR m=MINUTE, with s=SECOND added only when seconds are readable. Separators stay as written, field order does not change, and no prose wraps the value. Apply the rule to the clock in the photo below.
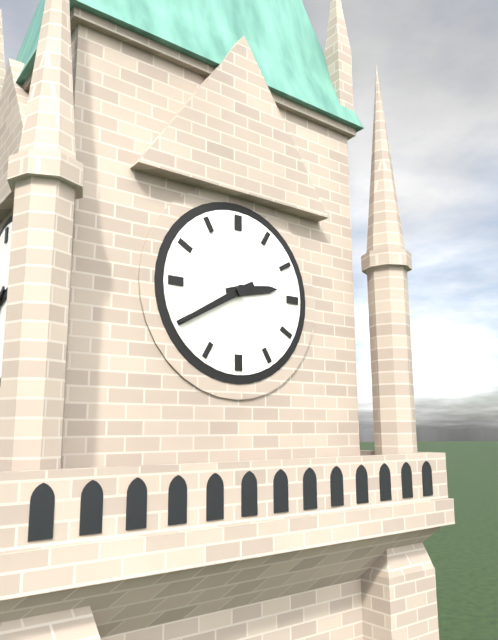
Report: h=2 m=40
